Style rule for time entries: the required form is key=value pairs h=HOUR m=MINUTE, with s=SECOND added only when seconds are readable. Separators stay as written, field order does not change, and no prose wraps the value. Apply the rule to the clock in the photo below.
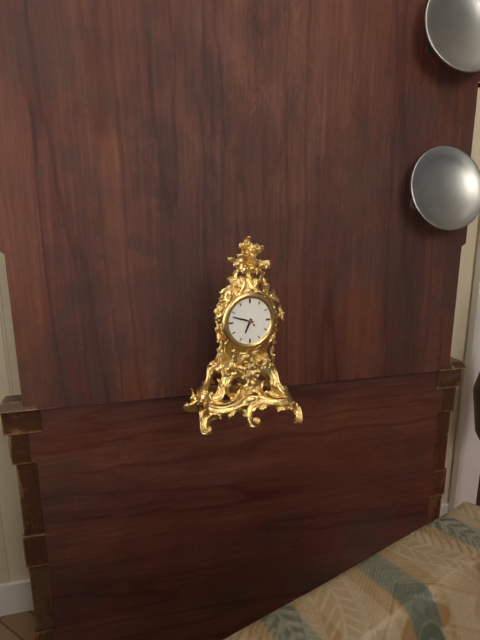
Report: h=6 m=48
